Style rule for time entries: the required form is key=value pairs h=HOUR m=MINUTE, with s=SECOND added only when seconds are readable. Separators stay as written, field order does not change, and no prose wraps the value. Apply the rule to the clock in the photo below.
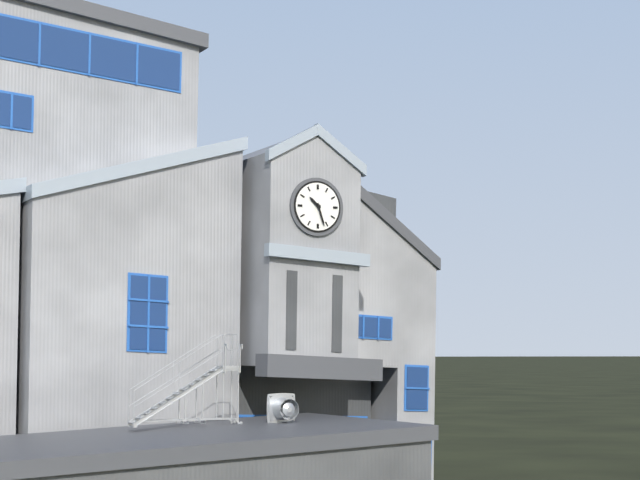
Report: h=10 m=27
